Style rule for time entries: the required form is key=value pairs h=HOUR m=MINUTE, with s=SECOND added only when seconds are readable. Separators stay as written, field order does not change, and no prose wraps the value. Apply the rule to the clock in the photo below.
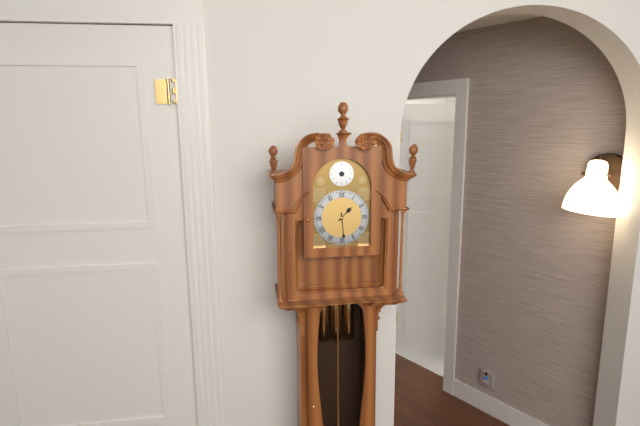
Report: h=1 m=29
